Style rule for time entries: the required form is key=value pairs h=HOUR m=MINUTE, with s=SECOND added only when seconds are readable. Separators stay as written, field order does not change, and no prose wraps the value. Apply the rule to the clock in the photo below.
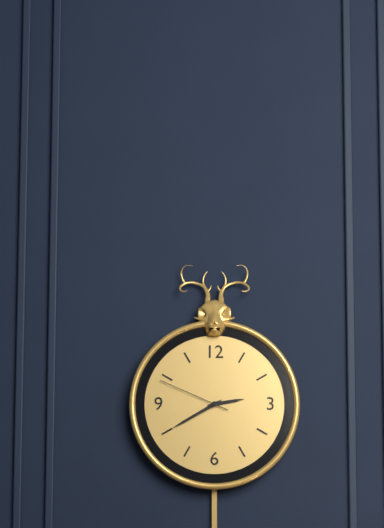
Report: h=2 m=40 s=49
